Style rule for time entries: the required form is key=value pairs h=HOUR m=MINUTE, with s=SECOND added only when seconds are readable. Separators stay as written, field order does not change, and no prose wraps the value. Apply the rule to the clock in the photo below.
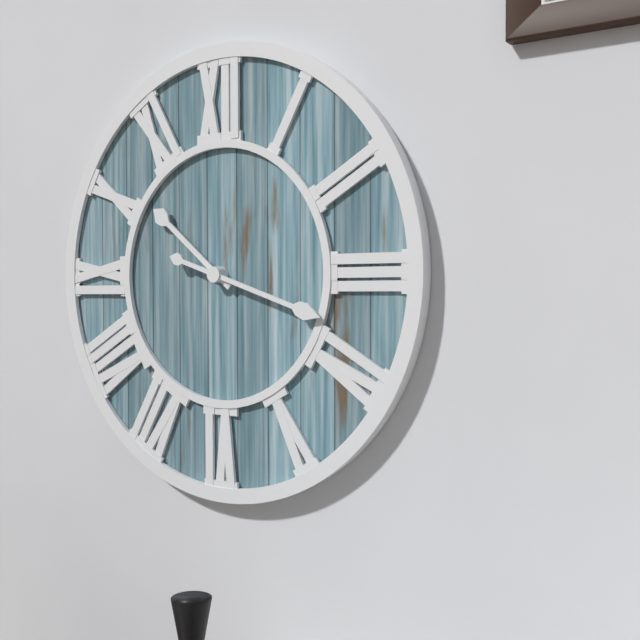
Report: h=10 m=18
